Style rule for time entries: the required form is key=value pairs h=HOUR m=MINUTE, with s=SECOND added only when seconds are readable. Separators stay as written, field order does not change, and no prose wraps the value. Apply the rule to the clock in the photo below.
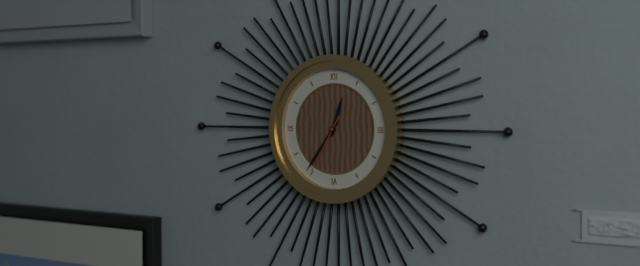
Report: h=12 m=36 s=35
